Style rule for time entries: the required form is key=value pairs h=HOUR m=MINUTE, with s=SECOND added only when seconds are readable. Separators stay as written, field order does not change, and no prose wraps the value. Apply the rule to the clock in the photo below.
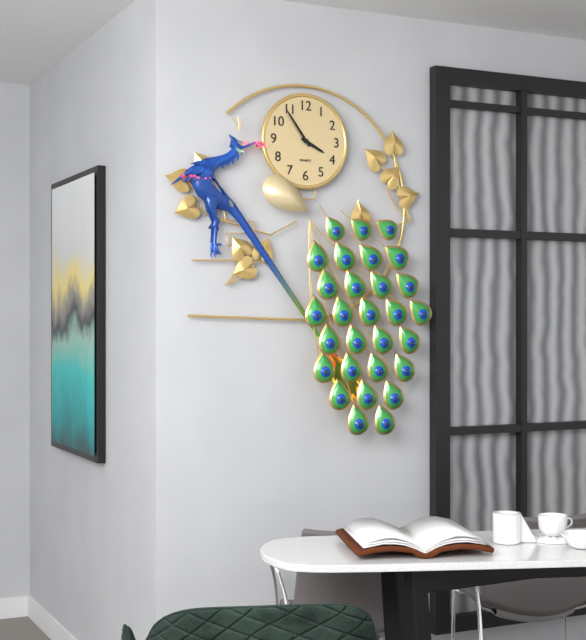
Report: h=3 m=54
